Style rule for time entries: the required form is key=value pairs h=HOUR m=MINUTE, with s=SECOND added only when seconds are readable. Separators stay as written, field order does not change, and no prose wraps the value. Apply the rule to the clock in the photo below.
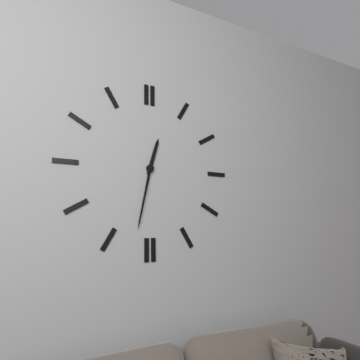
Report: h=12 m=32
